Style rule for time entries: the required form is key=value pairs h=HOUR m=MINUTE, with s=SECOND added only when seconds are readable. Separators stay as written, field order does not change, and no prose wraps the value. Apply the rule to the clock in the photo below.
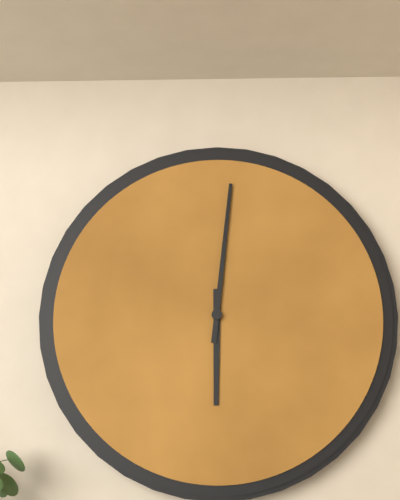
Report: h=6 m=1
